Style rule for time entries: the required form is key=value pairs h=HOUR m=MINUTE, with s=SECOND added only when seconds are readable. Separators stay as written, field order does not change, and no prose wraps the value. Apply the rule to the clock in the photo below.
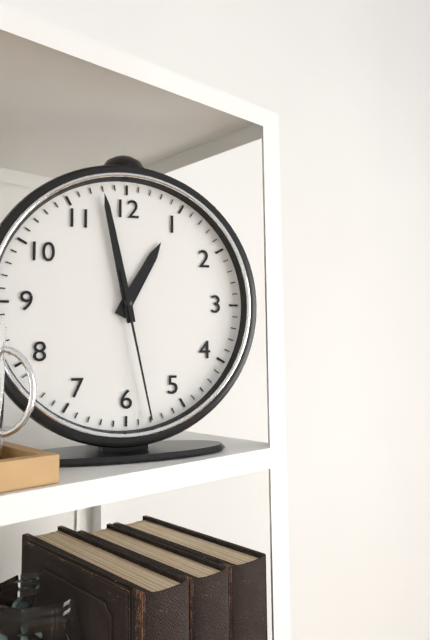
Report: h=12 m=58 s=28
